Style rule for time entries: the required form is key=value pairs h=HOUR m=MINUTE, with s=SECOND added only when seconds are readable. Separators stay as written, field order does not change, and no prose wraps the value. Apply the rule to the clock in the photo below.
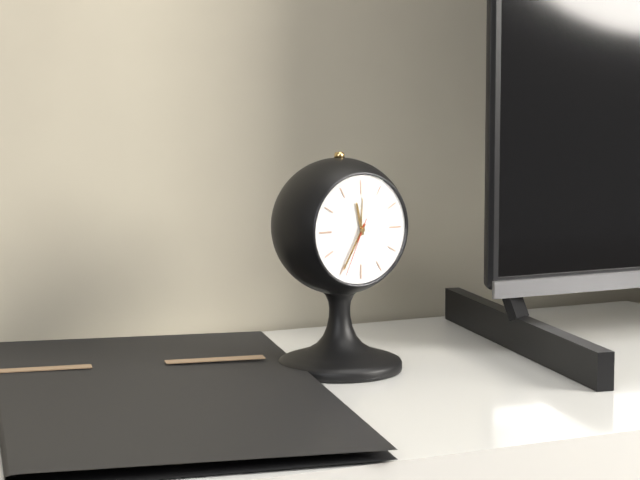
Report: h=11 m=35 s=34
